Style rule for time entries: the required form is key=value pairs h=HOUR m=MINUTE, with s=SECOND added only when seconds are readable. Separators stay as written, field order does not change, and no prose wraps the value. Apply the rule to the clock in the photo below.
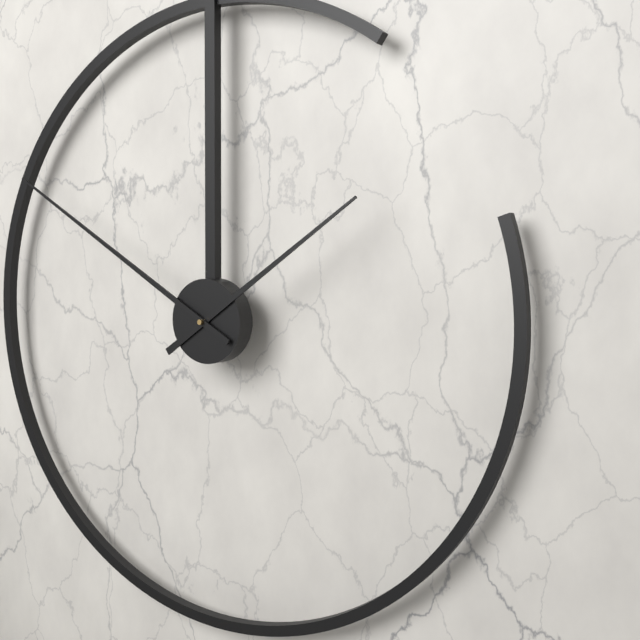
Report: h=1 m=50
